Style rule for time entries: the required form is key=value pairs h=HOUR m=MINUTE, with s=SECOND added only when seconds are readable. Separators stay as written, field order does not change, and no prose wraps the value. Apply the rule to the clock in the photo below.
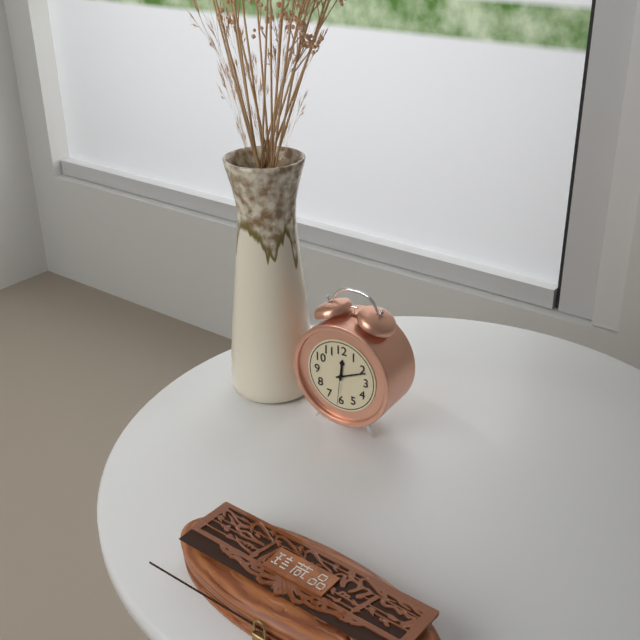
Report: h=12 m=11
